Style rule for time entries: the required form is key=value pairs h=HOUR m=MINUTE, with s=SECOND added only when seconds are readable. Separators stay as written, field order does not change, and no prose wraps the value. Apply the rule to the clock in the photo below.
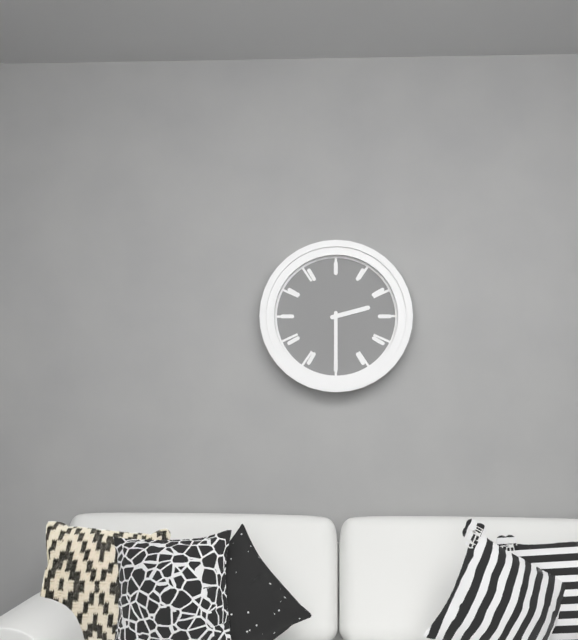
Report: h=2 m=30
